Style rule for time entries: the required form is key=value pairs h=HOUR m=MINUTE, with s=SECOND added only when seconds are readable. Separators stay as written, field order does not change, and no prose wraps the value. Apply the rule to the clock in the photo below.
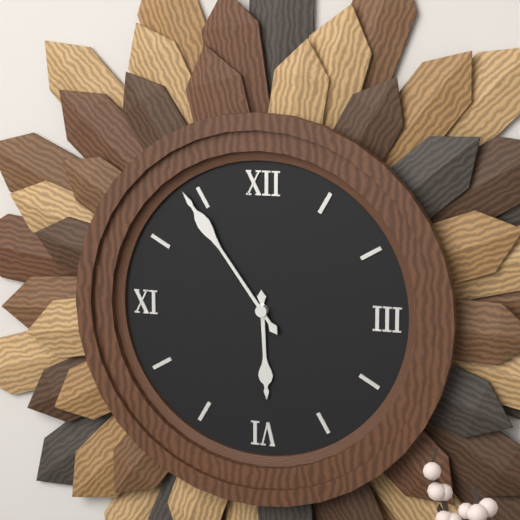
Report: h=5 m=54
